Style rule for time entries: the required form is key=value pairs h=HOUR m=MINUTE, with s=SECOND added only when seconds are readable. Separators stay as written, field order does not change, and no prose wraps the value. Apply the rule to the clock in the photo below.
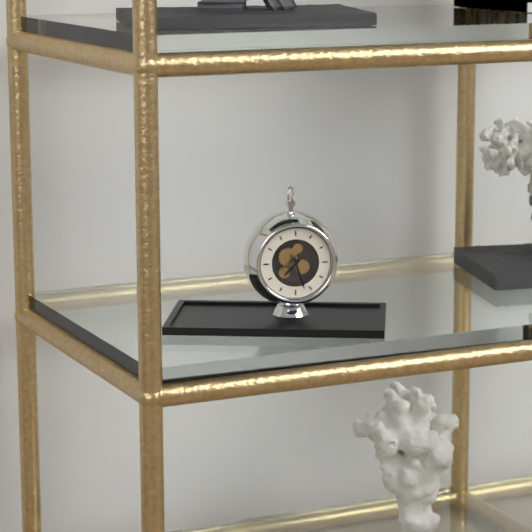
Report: h=7 m=27
